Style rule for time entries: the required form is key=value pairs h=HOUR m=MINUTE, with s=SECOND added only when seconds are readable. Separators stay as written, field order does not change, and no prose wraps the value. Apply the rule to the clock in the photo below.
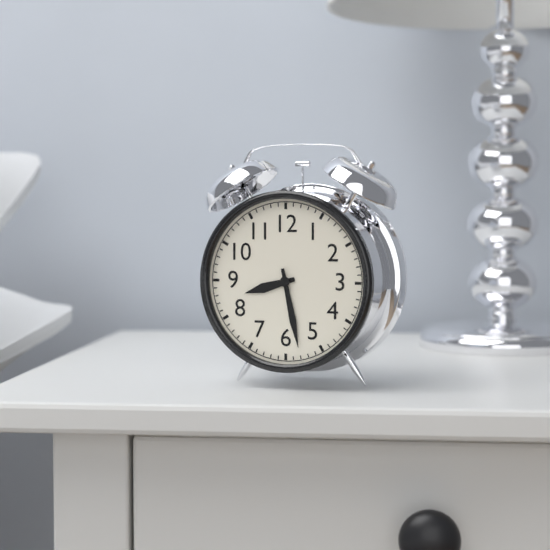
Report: h=8 m=28
